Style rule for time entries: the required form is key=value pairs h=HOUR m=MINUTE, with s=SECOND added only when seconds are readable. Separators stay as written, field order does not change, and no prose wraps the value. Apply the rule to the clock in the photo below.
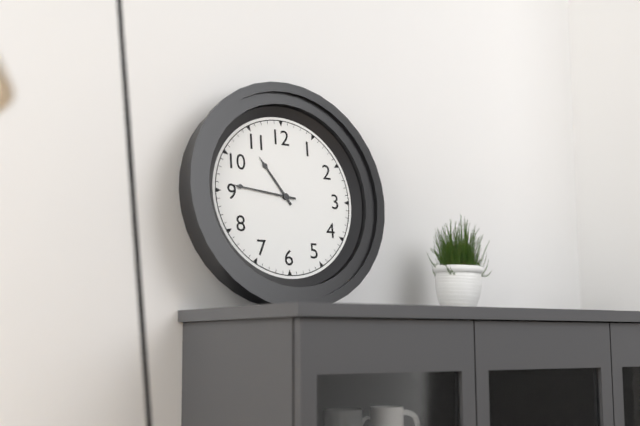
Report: h=10 m=46
